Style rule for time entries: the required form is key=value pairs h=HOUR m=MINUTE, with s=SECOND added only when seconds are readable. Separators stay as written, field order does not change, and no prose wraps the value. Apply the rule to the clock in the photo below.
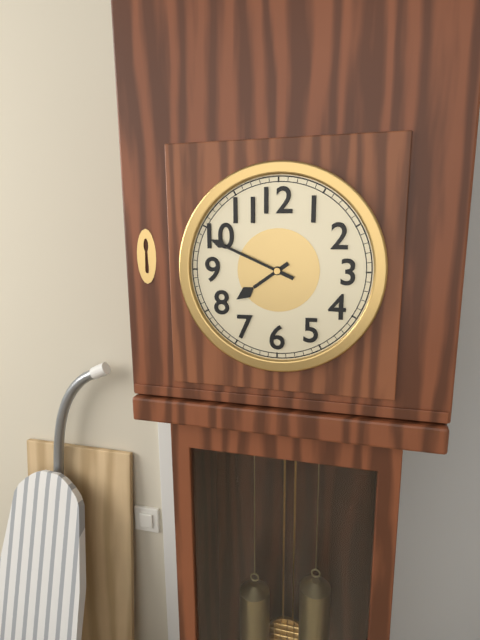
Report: h=7 m=49
